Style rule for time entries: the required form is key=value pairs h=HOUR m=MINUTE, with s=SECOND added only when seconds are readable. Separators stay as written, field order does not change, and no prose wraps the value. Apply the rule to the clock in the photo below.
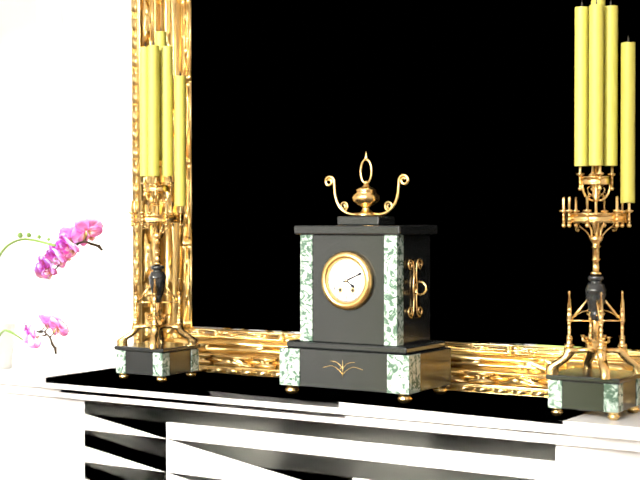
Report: h=4 m=11
